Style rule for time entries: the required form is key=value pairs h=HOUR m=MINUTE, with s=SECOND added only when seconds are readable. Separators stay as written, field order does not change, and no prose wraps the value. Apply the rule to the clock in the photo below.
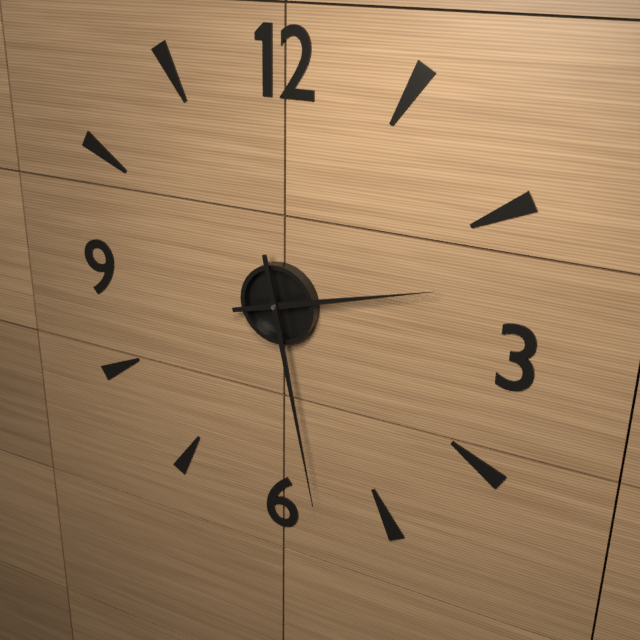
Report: h=2 m=28
